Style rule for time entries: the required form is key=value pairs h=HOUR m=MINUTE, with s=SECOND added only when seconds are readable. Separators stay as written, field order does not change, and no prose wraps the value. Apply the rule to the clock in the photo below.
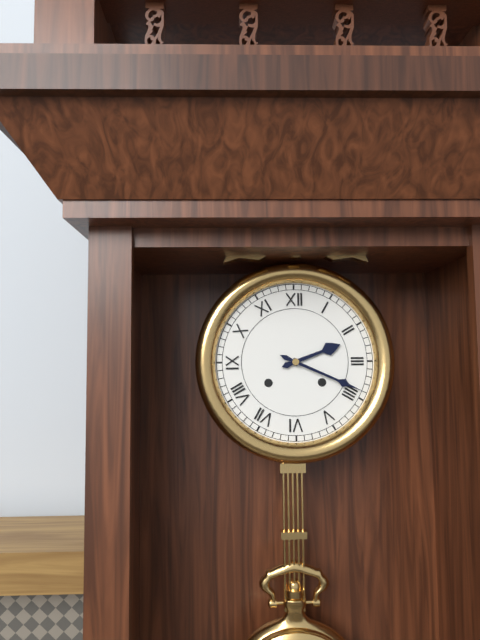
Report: h=2 m=19
